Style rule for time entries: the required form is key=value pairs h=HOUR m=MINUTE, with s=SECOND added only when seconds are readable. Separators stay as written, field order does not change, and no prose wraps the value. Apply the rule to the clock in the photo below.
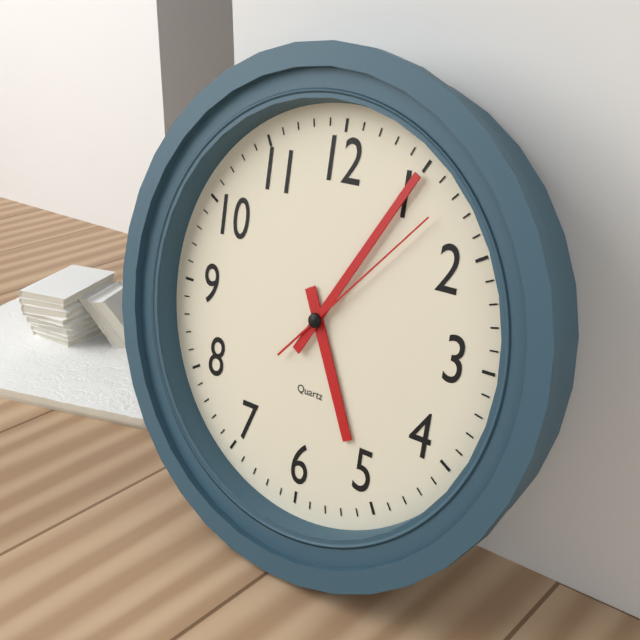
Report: h=5 m=5 s=7
